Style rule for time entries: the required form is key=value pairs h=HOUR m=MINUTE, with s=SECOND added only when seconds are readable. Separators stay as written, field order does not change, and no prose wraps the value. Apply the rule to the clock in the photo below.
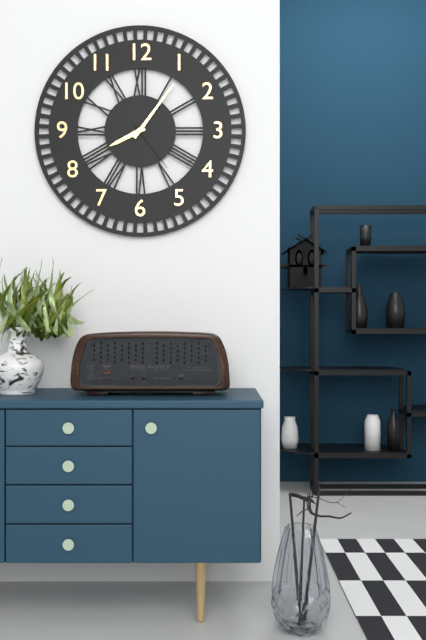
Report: h=8 m=6 s=24
